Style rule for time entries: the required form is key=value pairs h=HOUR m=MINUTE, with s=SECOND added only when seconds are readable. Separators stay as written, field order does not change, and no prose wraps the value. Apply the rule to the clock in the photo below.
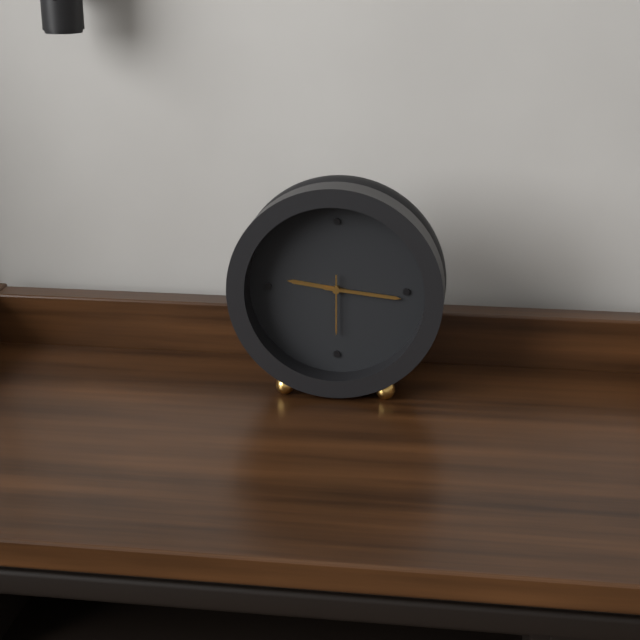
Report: h=9 m=16 s=30
